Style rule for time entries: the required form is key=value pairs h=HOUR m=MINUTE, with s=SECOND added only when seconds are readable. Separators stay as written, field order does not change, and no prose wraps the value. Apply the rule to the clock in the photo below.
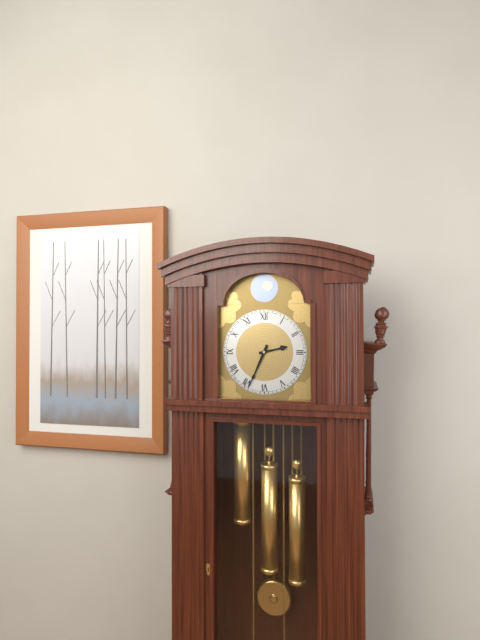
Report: h=2 m=34
